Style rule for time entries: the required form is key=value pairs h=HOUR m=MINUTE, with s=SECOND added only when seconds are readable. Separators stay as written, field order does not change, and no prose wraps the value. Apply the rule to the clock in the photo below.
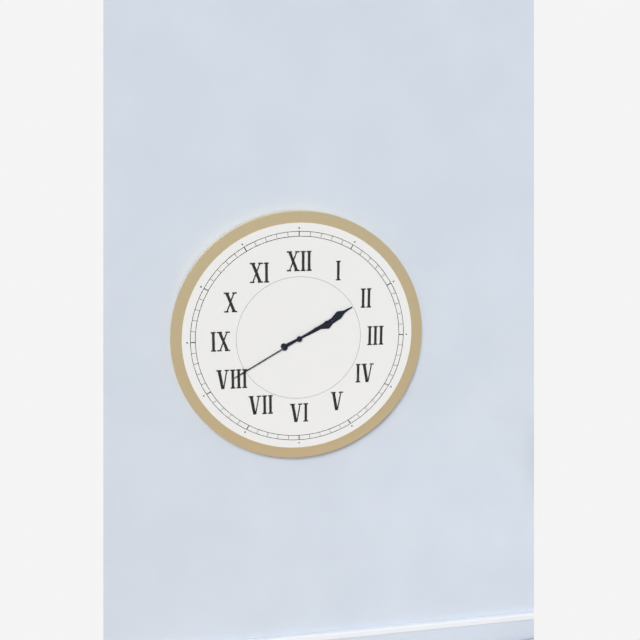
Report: h=2 m=10 s=40
